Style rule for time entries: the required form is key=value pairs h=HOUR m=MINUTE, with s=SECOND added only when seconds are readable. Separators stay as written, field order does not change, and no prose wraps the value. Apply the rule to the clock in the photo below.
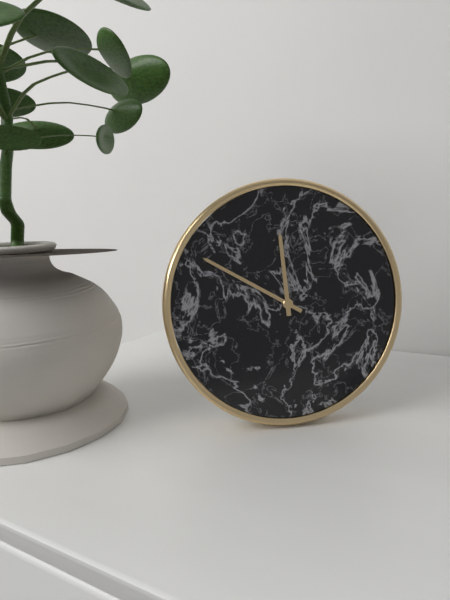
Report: h=11 m=50
